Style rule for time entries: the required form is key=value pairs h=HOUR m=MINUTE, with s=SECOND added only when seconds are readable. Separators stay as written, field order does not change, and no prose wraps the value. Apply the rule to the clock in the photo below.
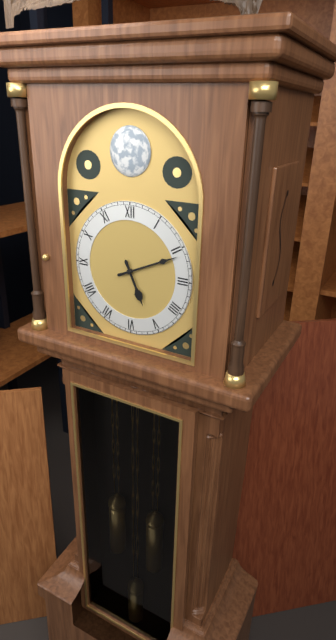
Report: h=5 m=11
